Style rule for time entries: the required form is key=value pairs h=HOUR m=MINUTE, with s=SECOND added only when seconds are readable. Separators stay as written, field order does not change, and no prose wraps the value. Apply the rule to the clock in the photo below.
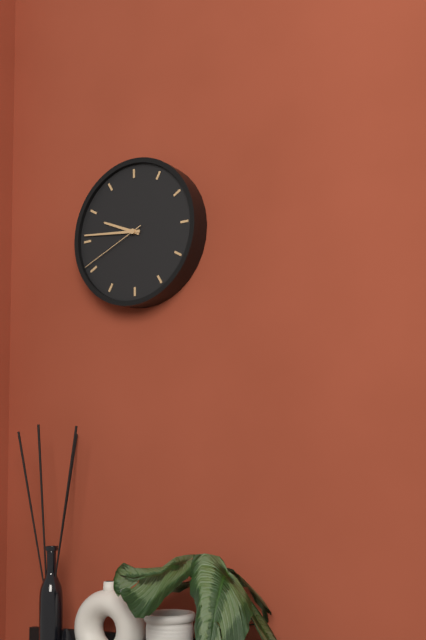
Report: h=9 m=46 s=41
